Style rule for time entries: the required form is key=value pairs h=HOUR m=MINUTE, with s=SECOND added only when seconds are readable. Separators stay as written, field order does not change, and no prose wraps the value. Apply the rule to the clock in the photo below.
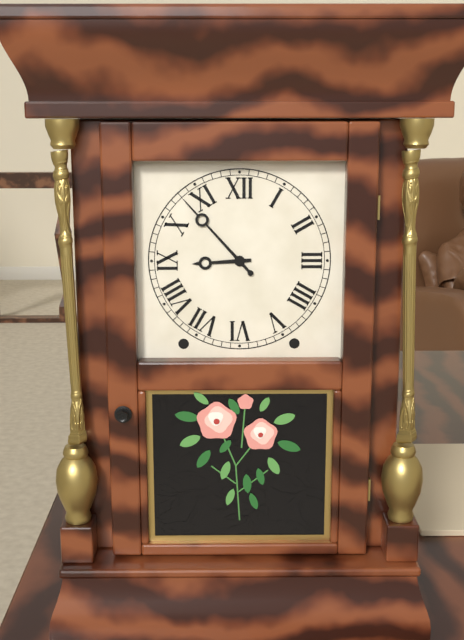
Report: h=8 m=53
